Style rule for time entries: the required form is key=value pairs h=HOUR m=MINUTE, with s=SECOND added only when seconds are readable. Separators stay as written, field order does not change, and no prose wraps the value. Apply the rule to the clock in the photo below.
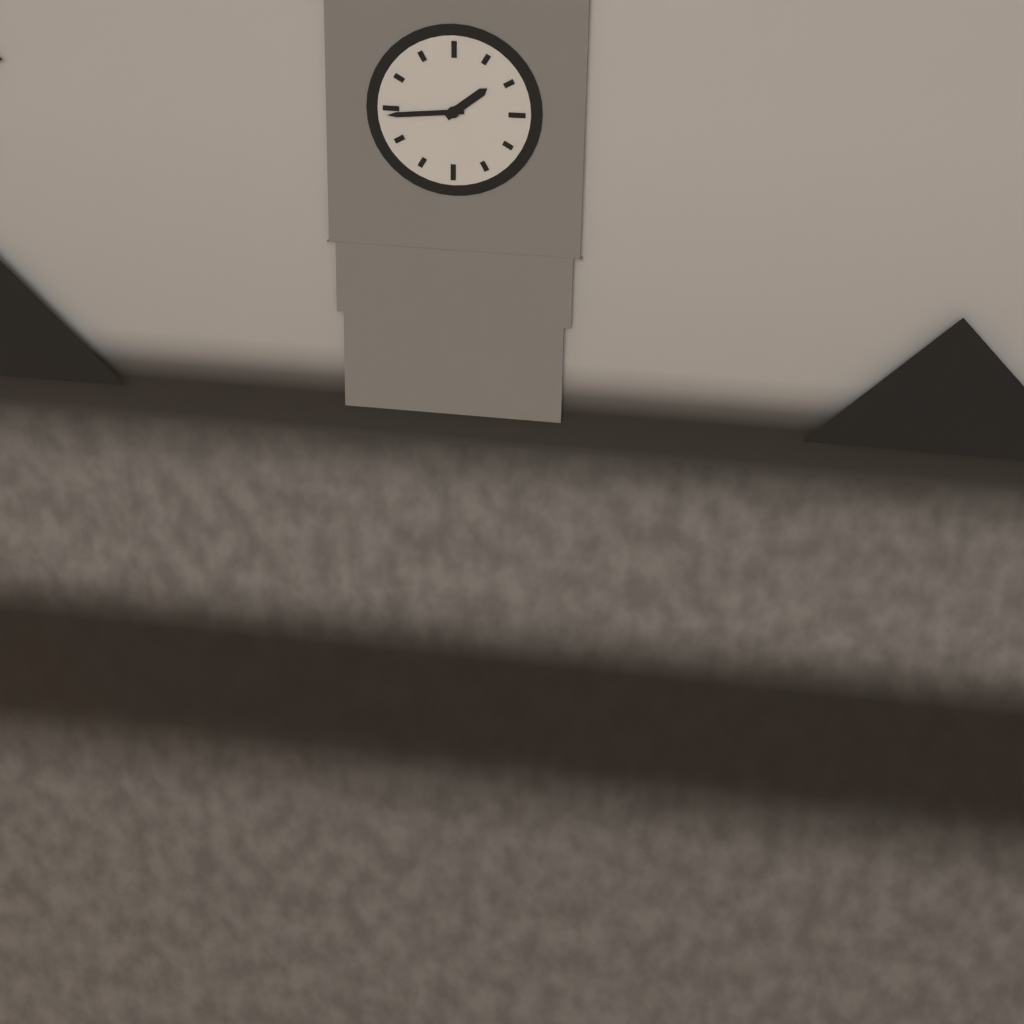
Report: h=1 m=44
